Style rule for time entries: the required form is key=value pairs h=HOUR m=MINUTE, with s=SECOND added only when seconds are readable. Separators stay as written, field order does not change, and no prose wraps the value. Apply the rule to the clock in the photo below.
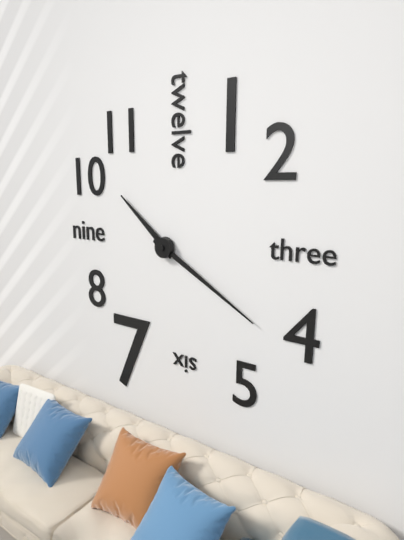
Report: h=10 m=20
